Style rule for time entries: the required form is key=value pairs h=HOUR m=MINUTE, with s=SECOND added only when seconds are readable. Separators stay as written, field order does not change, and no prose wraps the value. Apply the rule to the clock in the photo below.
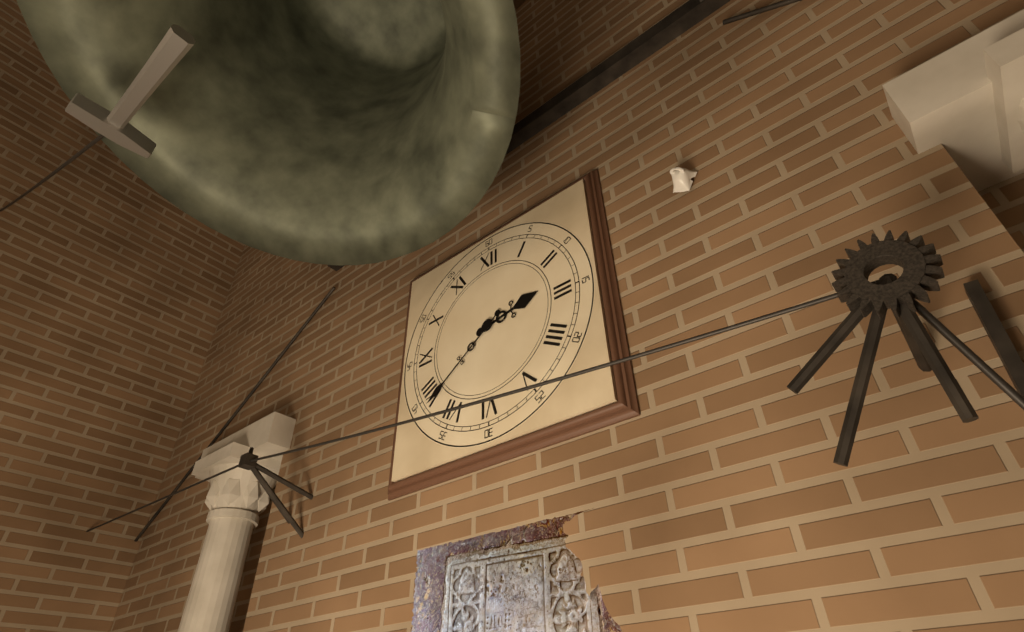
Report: h=2 m=39
